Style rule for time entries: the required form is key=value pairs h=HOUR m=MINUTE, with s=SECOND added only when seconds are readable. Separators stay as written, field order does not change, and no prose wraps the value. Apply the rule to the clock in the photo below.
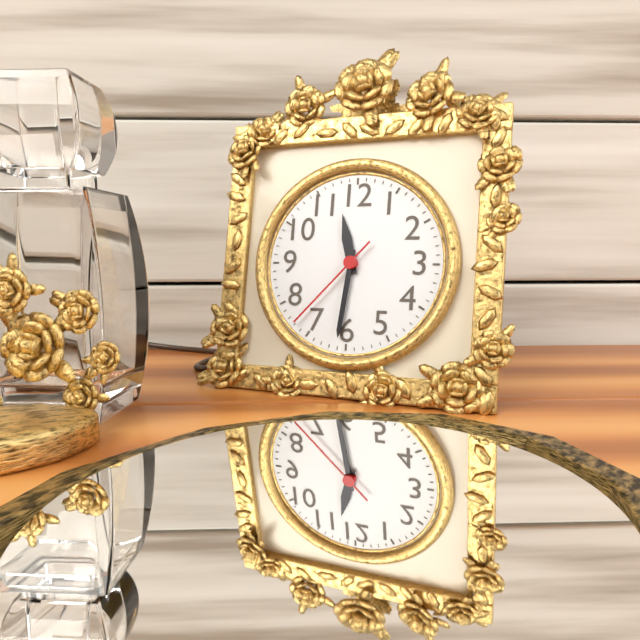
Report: h=11 m=31 s=37
